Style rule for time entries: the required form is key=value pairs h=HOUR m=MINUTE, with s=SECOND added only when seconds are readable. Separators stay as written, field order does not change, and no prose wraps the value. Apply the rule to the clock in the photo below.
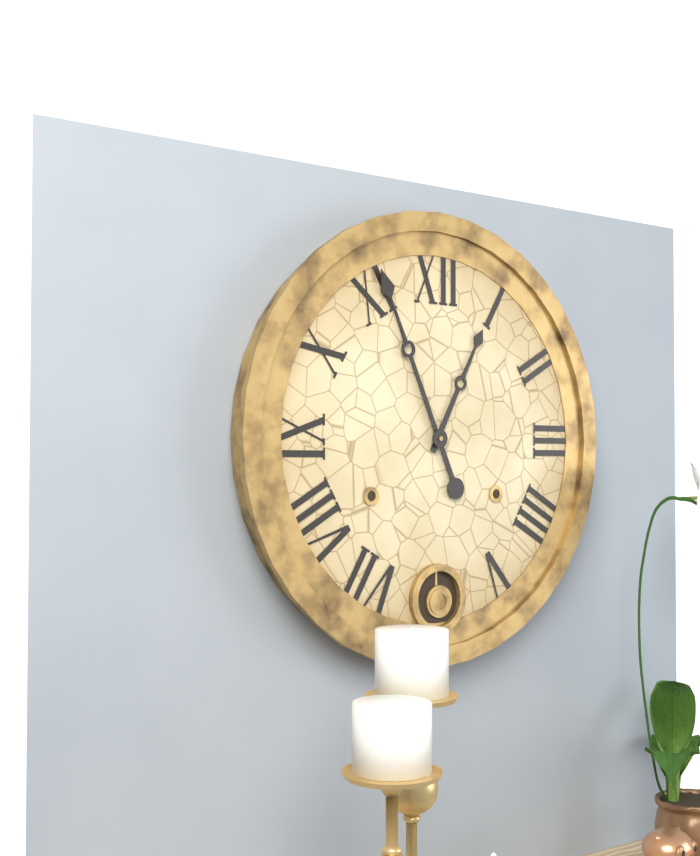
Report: h=12 m=56
